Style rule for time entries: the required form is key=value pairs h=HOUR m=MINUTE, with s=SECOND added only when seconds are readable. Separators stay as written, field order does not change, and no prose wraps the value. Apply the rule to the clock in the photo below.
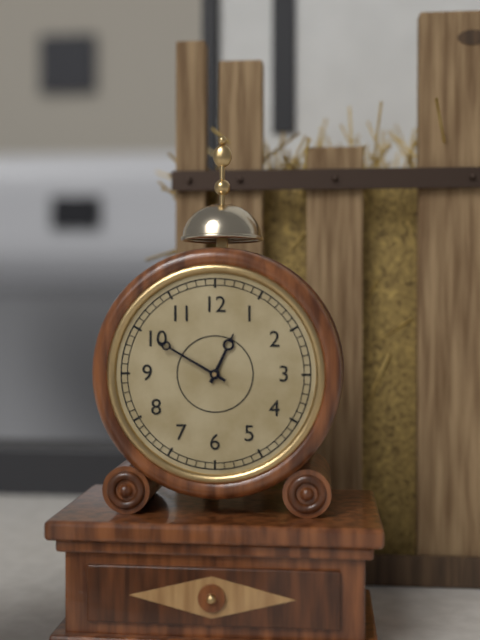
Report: h=12 m=50
